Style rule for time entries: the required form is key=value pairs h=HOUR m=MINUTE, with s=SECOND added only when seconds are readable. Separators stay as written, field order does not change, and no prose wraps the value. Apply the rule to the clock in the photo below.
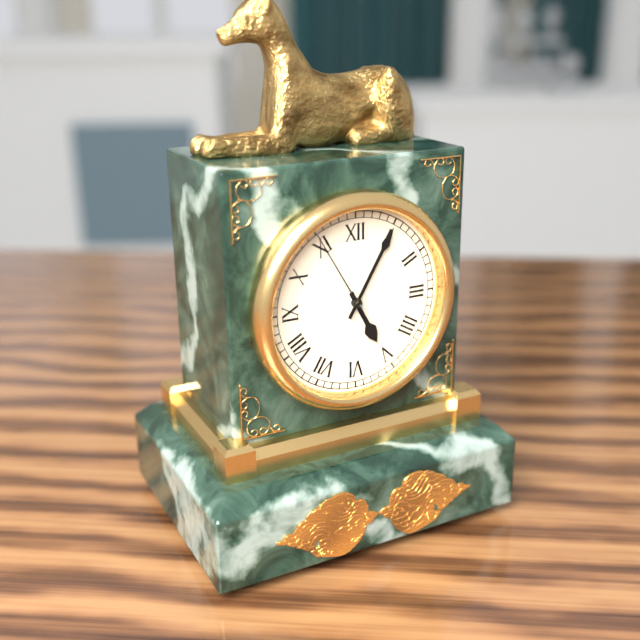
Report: h=5 m=5 s=55
